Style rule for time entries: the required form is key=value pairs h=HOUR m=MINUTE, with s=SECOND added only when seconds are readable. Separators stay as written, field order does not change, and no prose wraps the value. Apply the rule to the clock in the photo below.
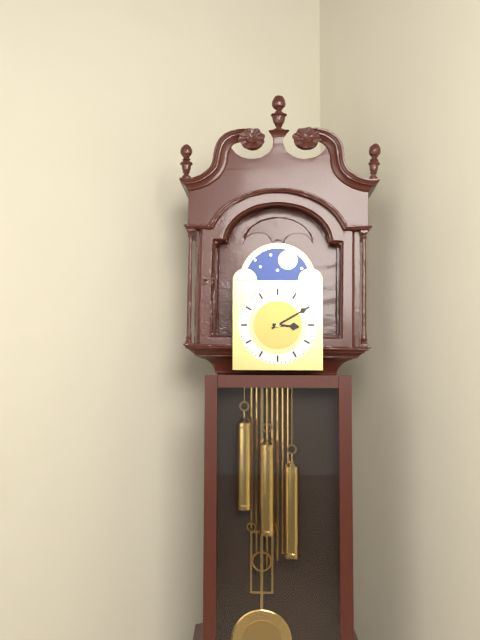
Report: h=3 m=10
